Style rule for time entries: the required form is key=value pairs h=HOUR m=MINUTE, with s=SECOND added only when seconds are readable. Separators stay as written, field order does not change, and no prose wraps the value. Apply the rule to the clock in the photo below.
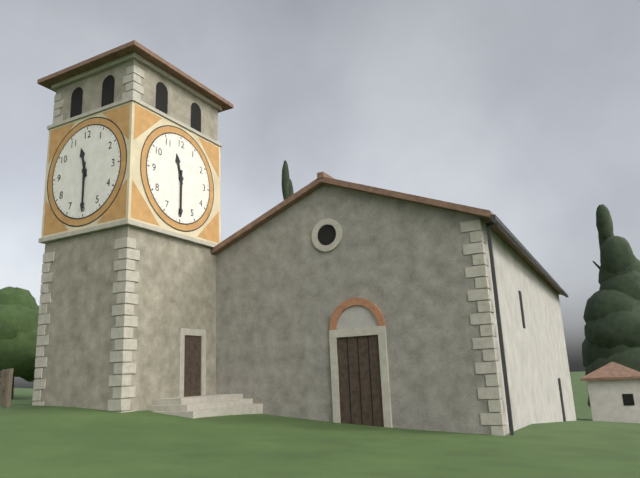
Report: h=11 m=30
